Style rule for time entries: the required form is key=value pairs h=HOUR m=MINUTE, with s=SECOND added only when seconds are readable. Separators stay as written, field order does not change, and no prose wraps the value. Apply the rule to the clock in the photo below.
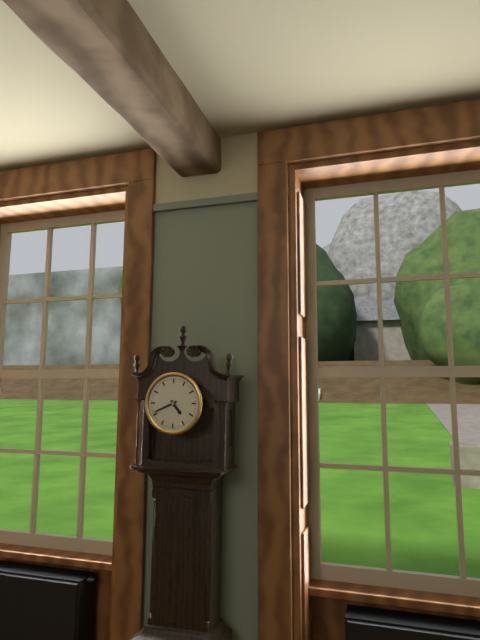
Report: h=4 m=41
